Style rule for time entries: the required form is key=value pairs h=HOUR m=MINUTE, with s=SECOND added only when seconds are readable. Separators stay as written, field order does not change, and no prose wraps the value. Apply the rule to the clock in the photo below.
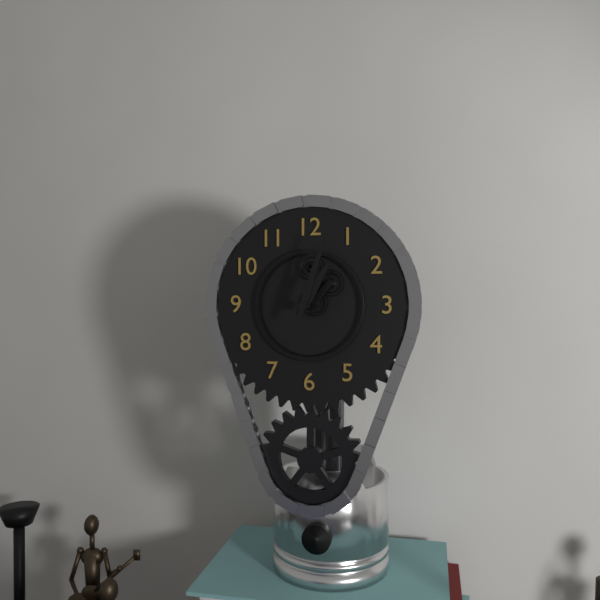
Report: h=1 m=3
